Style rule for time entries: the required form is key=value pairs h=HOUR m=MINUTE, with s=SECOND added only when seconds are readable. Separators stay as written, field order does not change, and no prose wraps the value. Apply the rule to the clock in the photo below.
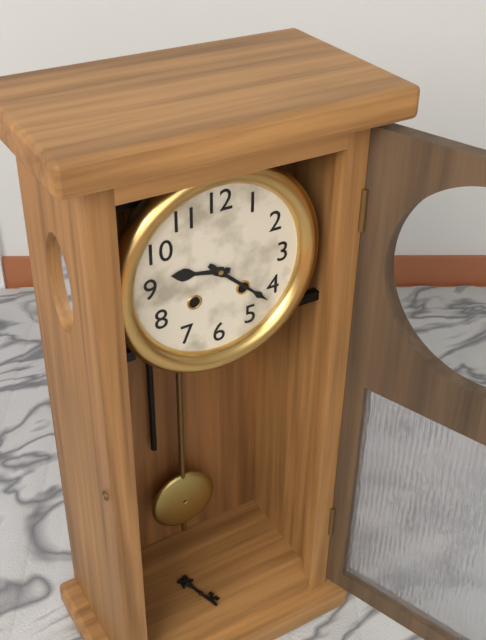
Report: h=9 m=22
